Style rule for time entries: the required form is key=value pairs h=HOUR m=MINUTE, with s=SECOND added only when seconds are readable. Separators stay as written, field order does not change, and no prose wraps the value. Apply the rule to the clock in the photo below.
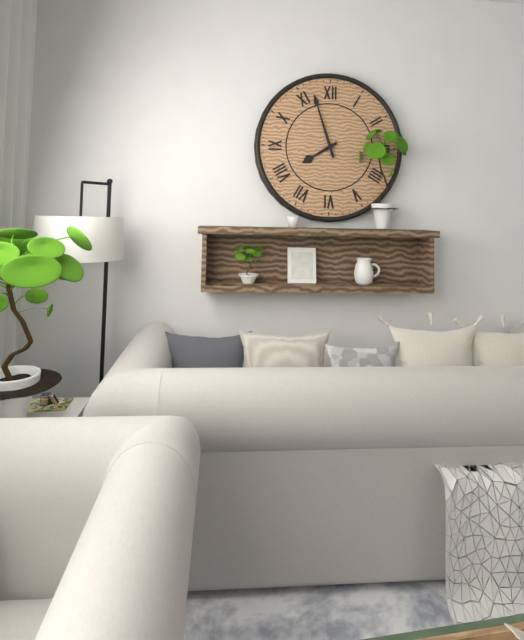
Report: h=7 m=57
